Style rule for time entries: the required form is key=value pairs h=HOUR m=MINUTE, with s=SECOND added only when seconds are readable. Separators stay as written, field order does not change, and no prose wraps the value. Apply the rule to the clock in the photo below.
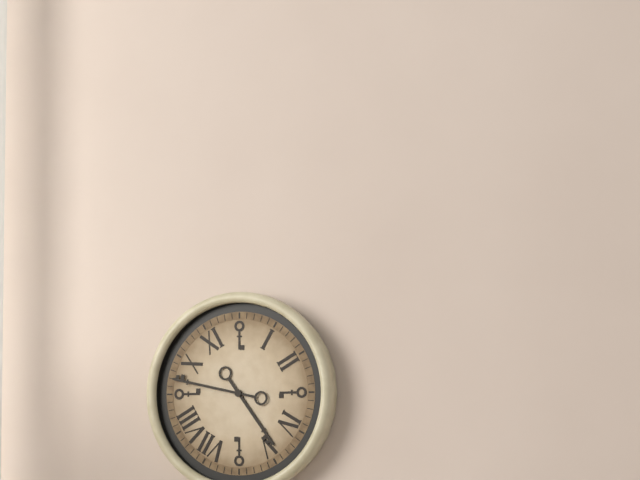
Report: h=4 m=47
